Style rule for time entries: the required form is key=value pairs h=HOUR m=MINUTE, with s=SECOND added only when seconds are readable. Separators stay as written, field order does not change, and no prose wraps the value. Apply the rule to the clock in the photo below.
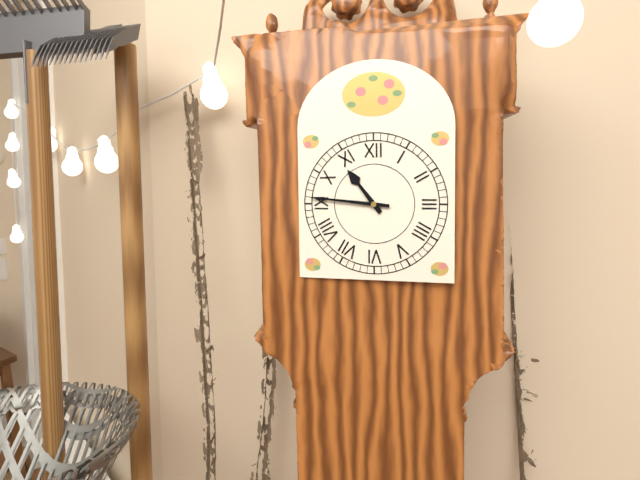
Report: h=10 m=46
